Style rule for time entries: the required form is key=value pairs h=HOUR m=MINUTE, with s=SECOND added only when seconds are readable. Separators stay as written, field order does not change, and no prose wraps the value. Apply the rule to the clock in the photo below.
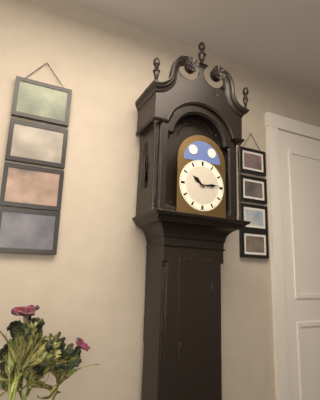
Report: h=10 m=14
